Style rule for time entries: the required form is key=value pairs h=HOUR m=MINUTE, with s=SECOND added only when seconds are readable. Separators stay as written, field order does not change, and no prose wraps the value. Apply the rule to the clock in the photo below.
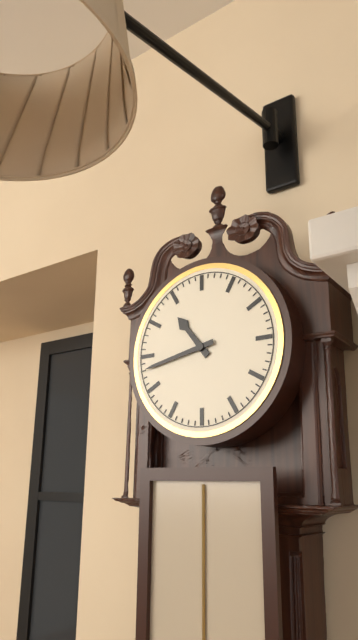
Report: h=10 m=43
